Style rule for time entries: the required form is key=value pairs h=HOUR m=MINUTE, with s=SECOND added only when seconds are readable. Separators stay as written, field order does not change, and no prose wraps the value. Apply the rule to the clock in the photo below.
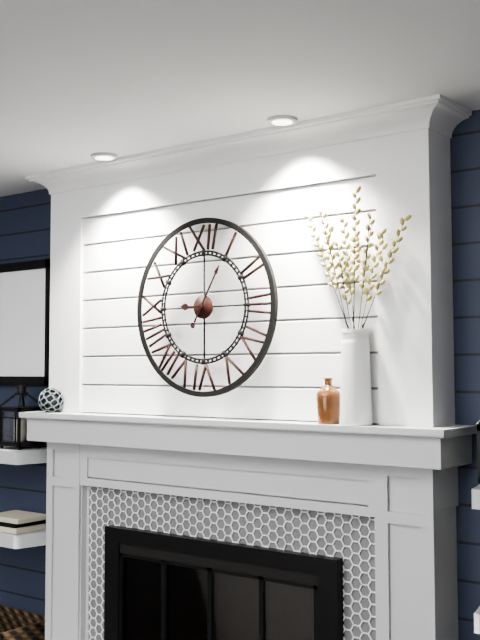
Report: h=9 m=5
